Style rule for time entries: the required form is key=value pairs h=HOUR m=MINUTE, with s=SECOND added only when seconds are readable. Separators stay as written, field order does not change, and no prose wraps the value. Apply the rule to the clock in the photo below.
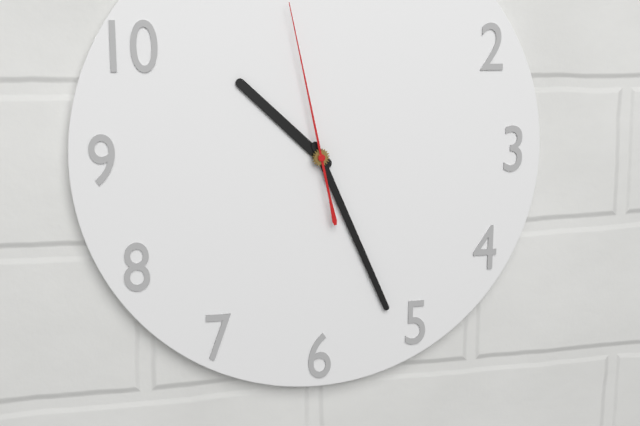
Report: h=10 m=26 s=58
